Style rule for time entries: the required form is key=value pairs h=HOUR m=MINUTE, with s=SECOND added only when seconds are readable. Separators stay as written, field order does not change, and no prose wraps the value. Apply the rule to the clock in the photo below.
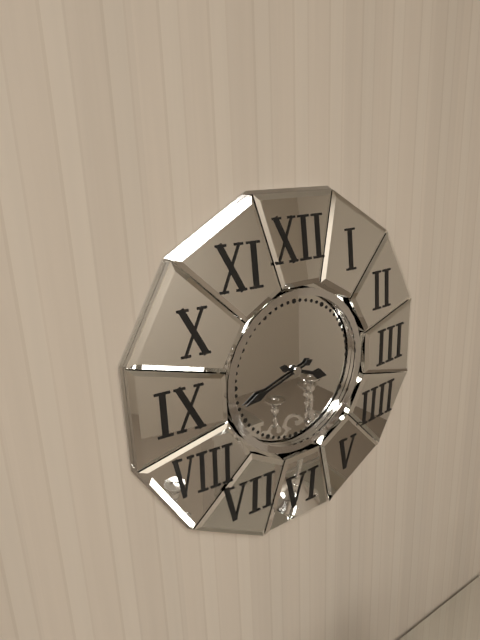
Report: h=3 m=42
